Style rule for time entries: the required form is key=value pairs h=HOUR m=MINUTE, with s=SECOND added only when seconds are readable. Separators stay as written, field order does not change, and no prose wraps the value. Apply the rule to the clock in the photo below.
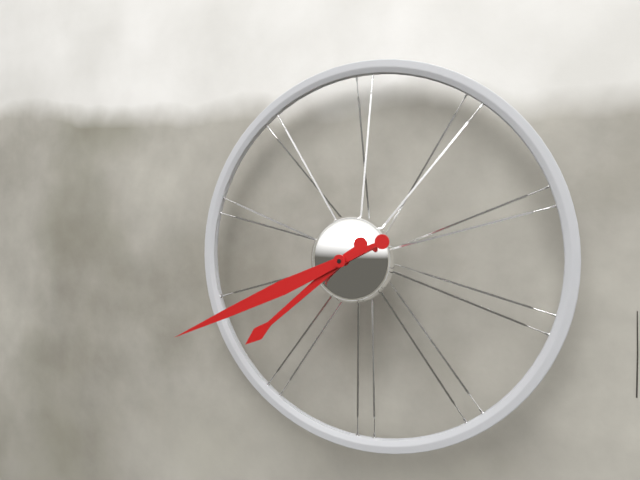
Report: h=7 m=41
